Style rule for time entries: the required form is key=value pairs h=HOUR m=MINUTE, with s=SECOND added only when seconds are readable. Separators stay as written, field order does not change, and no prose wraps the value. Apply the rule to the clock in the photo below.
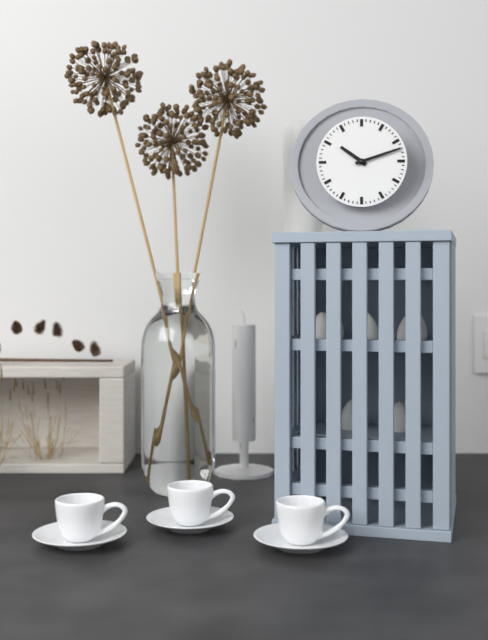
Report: h=10 m=12
